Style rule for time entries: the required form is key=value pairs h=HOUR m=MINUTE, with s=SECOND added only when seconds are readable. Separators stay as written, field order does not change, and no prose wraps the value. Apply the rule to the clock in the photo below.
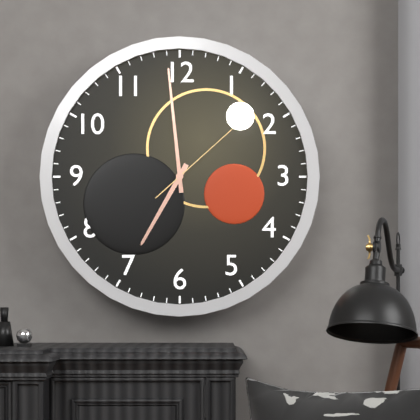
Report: h=6 m=59 s=8
